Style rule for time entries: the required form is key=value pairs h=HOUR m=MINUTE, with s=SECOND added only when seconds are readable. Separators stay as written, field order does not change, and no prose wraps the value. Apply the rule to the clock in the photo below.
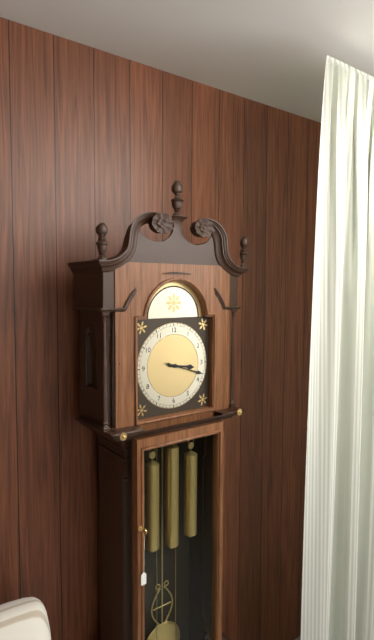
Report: h=3 m=18
